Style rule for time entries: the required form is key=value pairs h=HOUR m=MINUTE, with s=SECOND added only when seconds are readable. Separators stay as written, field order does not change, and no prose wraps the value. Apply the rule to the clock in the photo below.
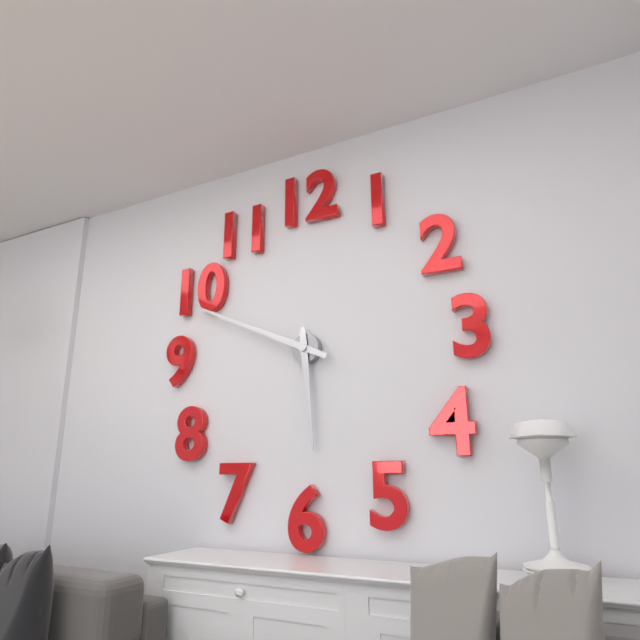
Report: h=5 m=49
